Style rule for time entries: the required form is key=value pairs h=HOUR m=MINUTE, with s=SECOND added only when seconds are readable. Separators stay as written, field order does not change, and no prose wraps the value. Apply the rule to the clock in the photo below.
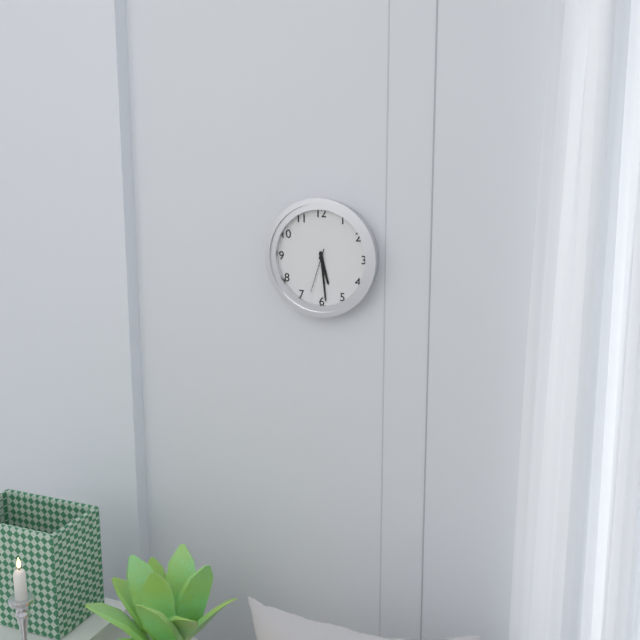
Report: h=5 m=29
